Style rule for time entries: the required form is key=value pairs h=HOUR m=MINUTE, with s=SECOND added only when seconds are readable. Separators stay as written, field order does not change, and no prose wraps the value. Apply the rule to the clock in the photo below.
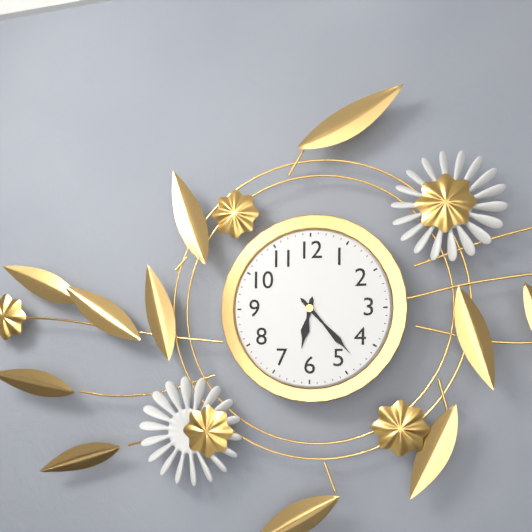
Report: h=6 m=23
